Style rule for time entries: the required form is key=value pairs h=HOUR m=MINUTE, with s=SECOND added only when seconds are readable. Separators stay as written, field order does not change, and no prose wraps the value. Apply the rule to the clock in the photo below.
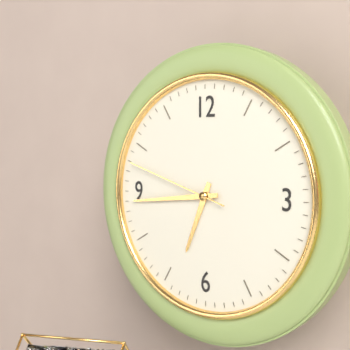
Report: h=6 m=44 s=48
